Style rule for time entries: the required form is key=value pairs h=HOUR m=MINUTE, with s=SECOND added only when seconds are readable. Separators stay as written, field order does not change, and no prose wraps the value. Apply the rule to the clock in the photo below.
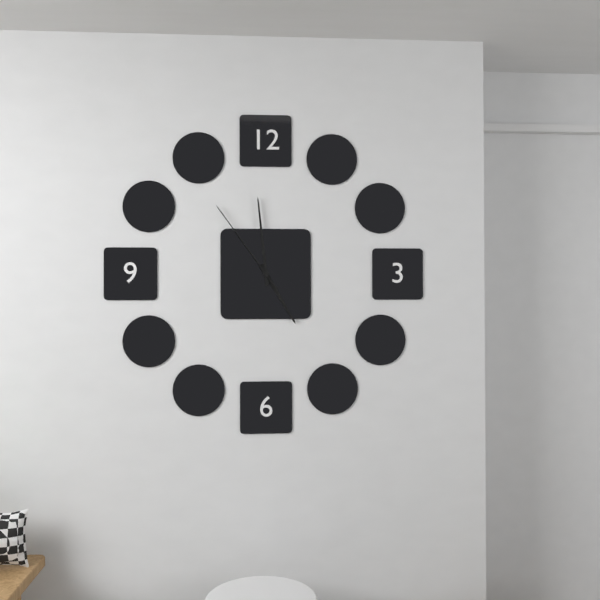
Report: h=4 m=59 s=54
